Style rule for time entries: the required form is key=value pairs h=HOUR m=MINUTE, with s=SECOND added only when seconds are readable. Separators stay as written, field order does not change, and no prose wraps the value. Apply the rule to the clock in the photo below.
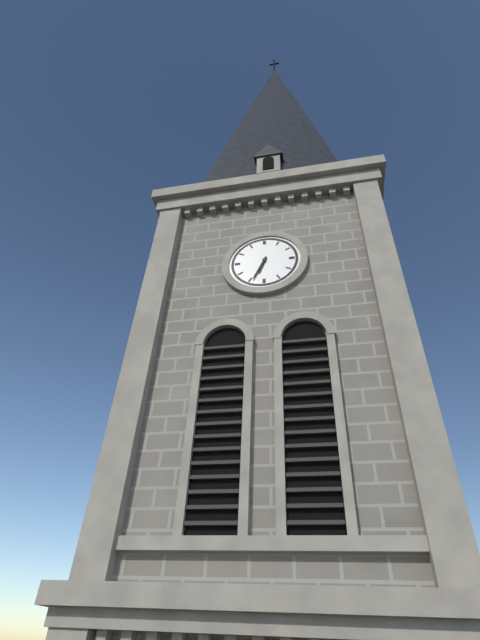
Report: h=6 m=34
